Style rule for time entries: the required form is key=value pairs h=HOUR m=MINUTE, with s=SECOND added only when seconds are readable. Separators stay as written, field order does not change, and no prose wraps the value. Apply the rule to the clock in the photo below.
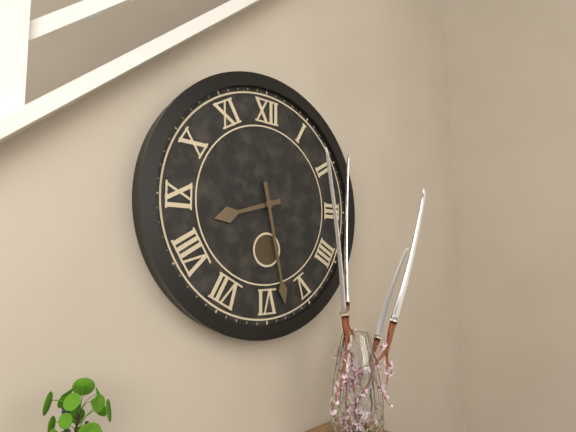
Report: h=8 m=28
